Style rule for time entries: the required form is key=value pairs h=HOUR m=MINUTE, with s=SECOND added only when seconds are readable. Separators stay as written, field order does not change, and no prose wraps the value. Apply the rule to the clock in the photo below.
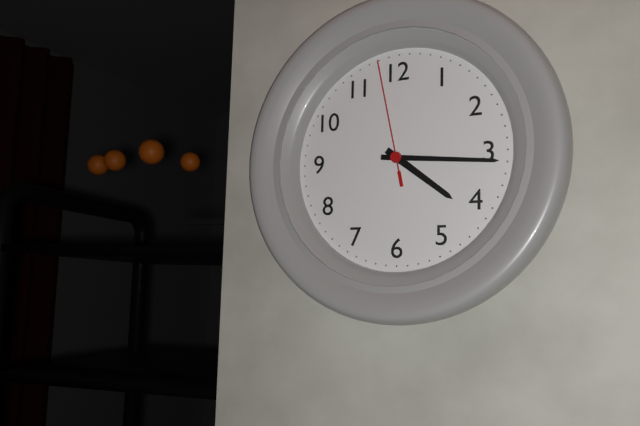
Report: h=4 m=16 s=58
